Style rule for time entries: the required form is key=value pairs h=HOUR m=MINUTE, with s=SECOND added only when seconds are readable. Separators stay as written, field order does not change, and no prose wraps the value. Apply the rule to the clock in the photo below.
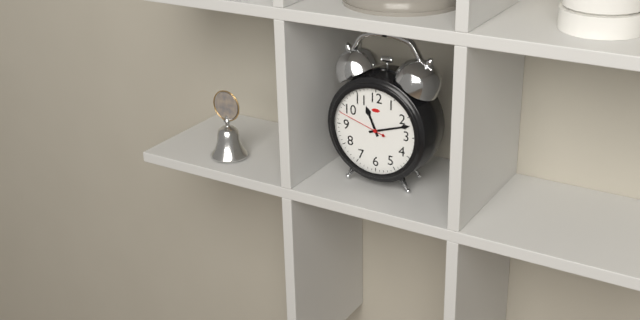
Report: h=11 m=12 s=48
